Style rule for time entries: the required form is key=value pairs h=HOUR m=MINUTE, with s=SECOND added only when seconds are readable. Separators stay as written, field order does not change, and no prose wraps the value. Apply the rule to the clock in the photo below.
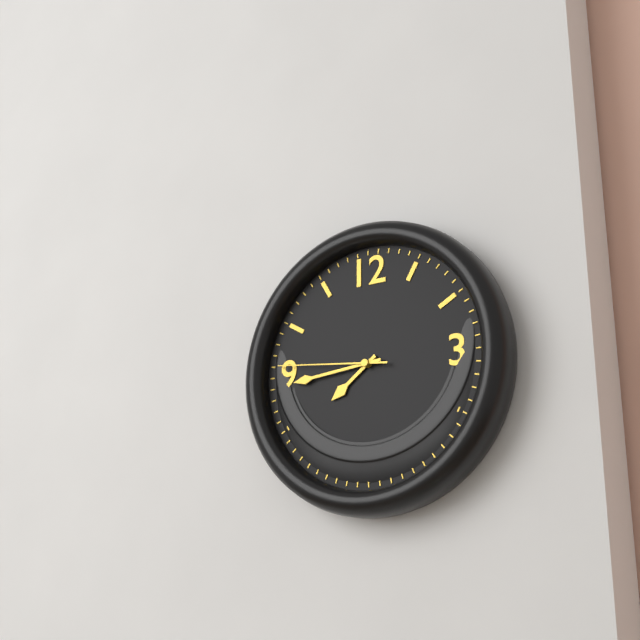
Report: h=7 m=44 s=46
